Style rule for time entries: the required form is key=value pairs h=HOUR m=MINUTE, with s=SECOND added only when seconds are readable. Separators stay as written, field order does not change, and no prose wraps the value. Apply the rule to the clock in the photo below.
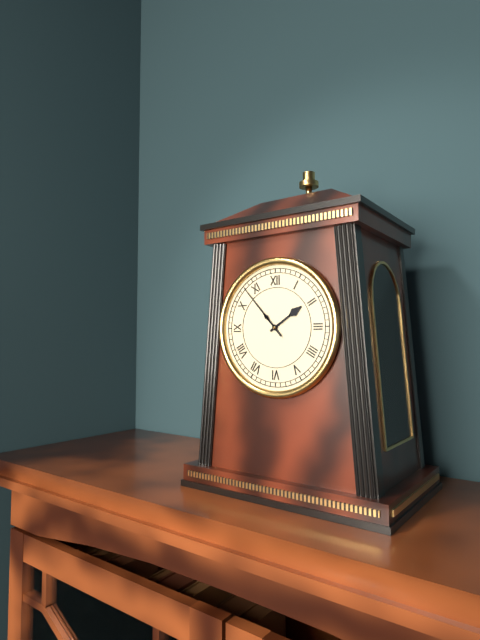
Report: h=1 m=53
